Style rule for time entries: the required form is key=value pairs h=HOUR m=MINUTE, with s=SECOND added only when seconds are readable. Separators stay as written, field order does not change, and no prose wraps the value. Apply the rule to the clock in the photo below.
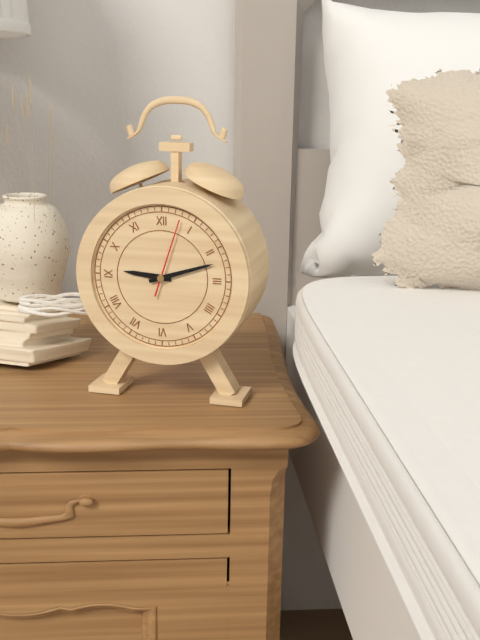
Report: h=9 m=12 s=3
